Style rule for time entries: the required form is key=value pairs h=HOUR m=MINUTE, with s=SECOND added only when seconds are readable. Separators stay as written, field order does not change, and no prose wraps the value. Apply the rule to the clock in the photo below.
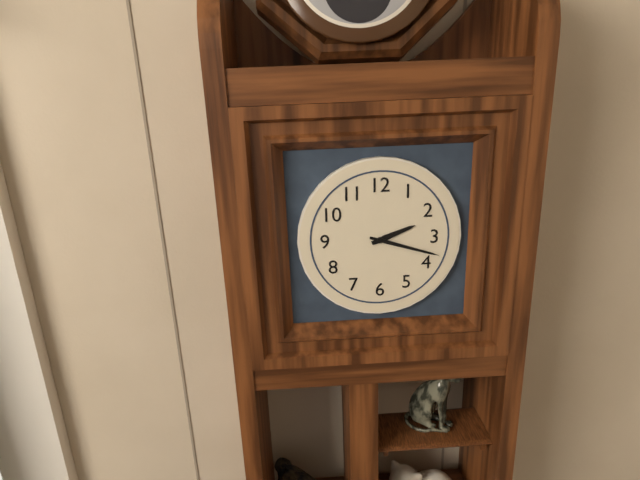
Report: h=2 m=18
